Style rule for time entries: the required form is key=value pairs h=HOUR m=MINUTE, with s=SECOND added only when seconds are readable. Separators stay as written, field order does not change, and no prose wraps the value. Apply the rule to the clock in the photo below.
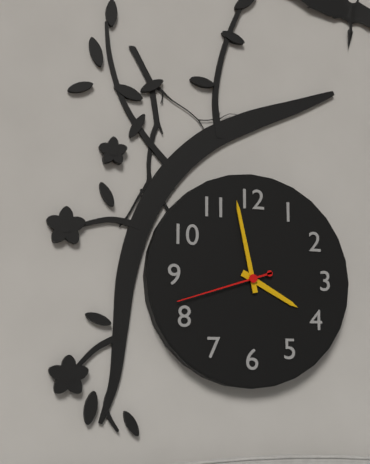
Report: h=3 m=58 s=42
